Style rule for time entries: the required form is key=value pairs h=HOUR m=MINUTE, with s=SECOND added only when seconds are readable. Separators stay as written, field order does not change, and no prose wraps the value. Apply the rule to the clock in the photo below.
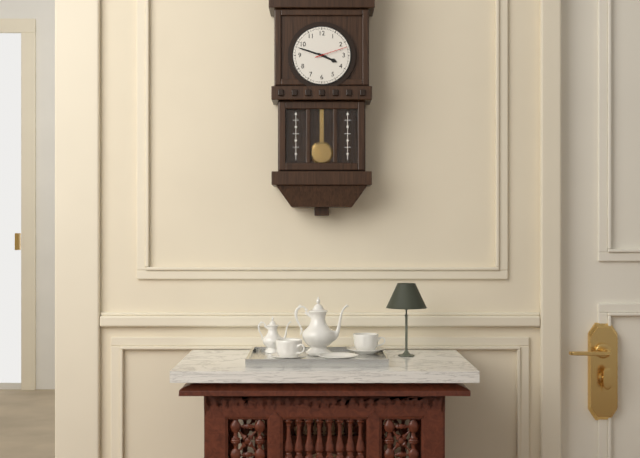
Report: h=3 m=48
